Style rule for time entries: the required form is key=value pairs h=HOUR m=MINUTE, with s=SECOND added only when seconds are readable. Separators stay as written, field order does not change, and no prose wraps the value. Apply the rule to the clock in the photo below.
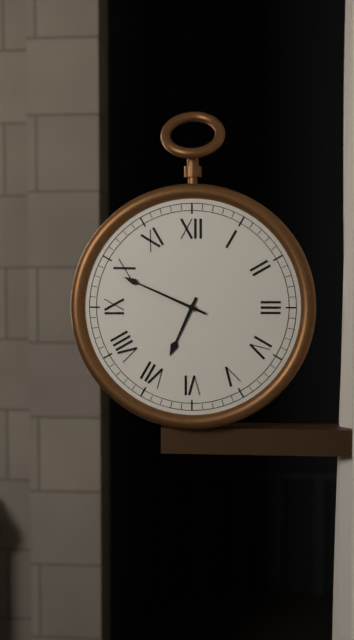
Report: h=6 m=49
